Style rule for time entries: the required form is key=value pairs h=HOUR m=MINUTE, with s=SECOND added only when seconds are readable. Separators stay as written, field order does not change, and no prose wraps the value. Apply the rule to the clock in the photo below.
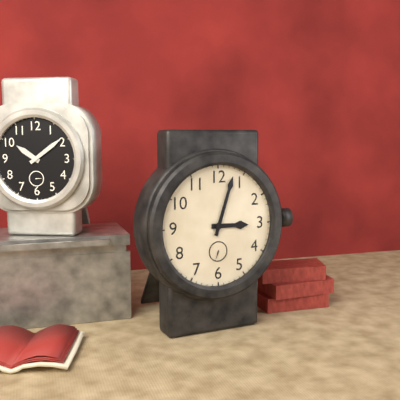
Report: h=3 m=3
